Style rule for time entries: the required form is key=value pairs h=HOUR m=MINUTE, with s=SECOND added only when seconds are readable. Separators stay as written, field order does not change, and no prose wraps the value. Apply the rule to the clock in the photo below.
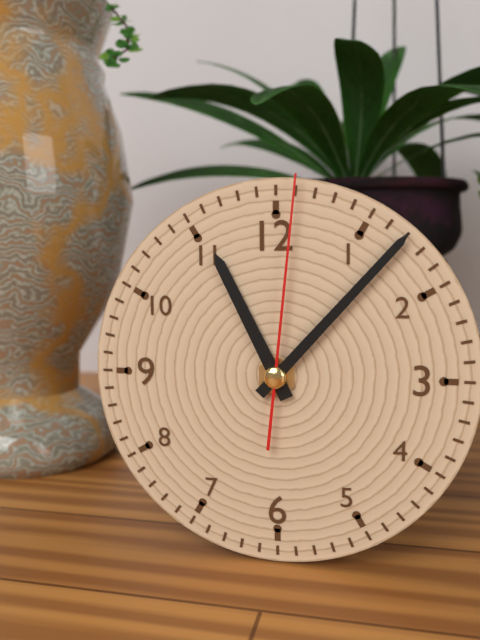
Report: h=11 m=7 s=1
